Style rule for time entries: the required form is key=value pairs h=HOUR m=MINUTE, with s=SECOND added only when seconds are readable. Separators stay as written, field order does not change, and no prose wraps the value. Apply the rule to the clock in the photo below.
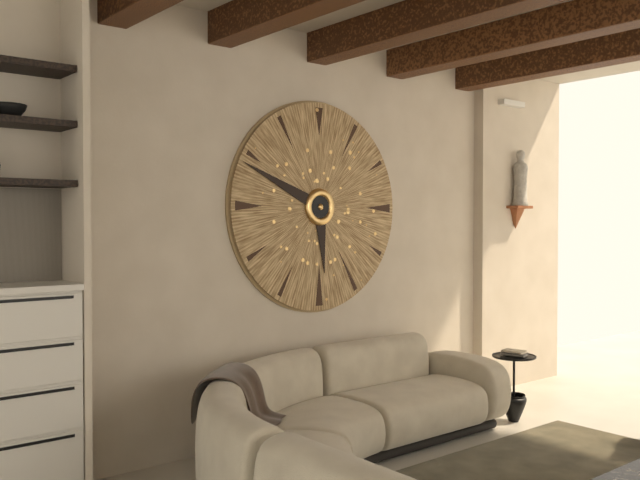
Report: h=5 m=49
